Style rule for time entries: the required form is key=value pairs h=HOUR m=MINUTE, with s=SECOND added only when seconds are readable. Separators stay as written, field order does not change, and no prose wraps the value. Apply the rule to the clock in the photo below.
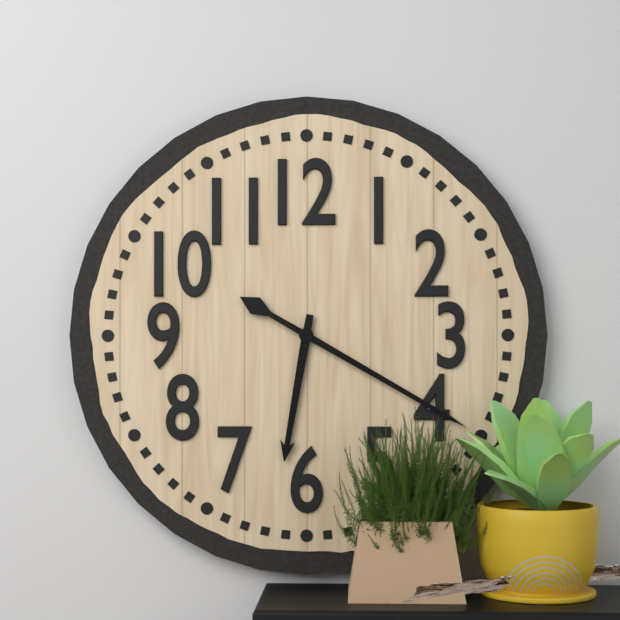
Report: h=6 m=20
